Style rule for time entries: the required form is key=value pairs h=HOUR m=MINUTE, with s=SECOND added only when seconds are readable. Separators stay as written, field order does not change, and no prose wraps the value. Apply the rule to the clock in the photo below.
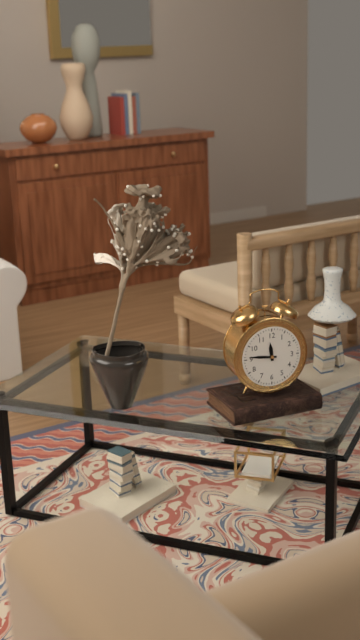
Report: h=11 m=46
